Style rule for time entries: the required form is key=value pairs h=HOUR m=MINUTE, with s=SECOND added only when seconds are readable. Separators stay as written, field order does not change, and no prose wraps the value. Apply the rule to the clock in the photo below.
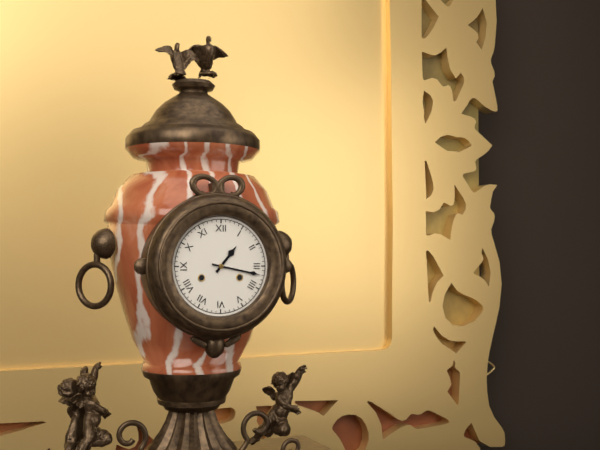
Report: h=1 m=17
